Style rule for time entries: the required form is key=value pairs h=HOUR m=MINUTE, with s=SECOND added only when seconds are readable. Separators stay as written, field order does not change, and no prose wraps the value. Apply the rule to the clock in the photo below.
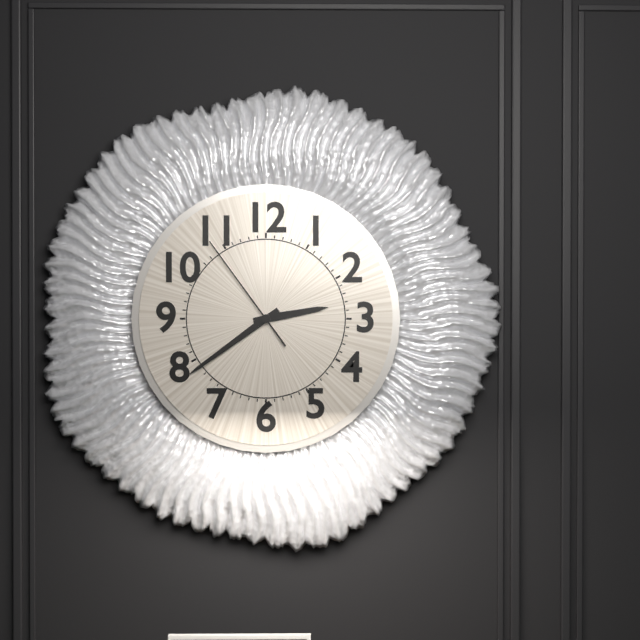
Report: h=2 m=39 s=54
